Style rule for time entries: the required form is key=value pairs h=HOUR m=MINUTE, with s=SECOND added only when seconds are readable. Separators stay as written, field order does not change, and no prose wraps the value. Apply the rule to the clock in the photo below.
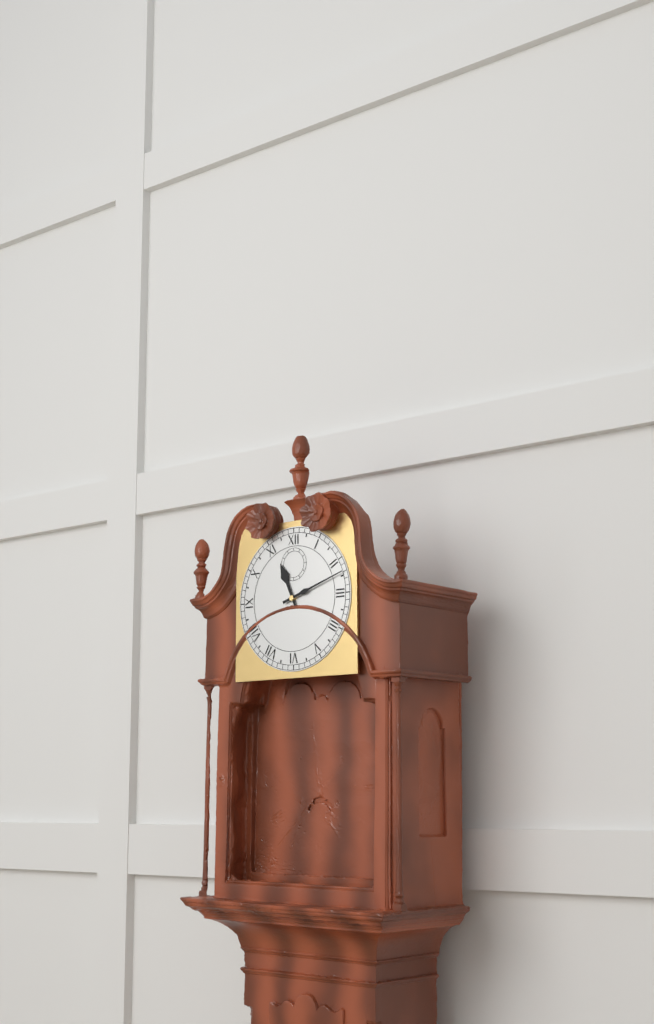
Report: h=11 m=12
